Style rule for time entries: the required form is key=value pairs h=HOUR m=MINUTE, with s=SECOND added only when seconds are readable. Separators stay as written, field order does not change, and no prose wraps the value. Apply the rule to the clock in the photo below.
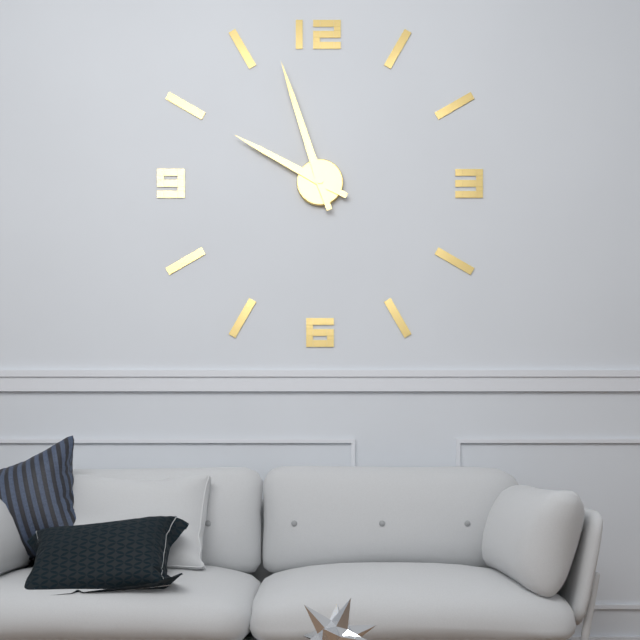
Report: h=9 m=57
